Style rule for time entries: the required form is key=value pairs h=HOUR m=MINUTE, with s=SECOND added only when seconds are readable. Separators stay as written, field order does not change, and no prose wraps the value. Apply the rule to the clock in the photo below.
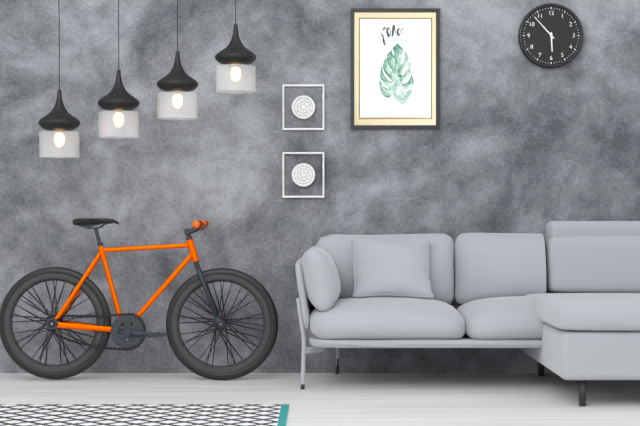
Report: h=5 m=53
